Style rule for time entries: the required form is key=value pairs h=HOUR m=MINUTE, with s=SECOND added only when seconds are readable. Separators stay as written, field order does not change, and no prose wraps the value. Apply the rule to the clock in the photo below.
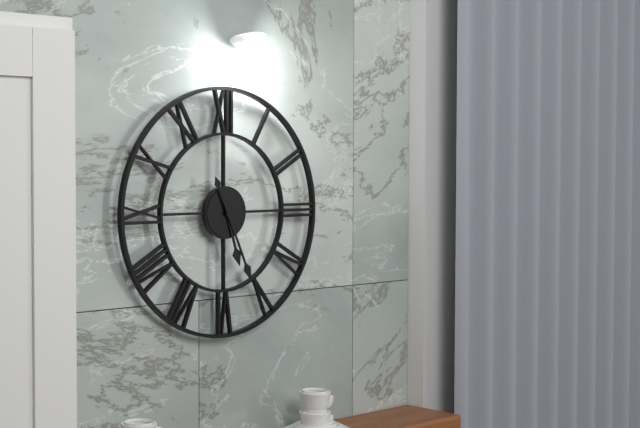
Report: h=5 m=26
